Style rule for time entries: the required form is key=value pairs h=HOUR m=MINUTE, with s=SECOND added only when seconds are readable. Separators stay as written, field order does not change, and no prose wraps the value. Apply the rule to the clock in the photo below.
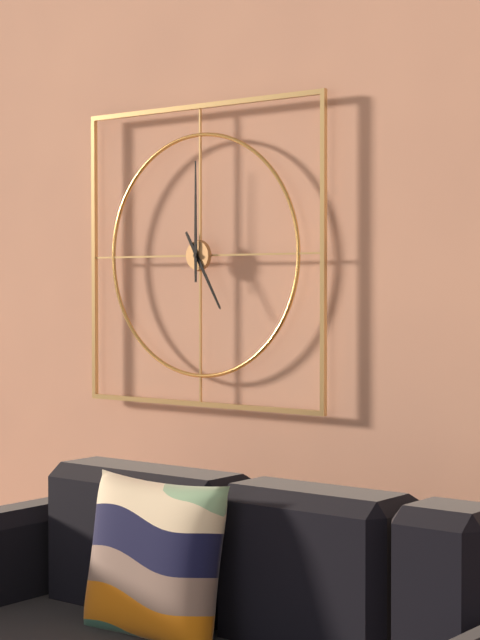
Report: h=5 m=0
